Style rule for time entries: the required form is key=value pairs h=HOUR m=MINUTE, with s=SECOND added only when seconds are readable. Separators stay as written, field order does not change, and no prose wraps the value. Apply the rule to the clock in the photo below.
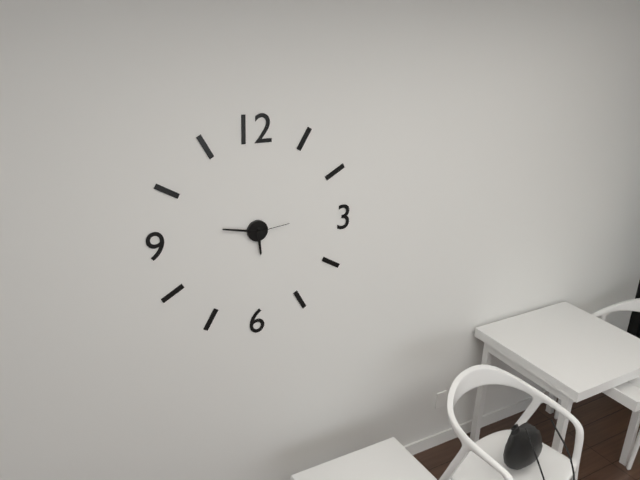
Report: h=5 m=47
